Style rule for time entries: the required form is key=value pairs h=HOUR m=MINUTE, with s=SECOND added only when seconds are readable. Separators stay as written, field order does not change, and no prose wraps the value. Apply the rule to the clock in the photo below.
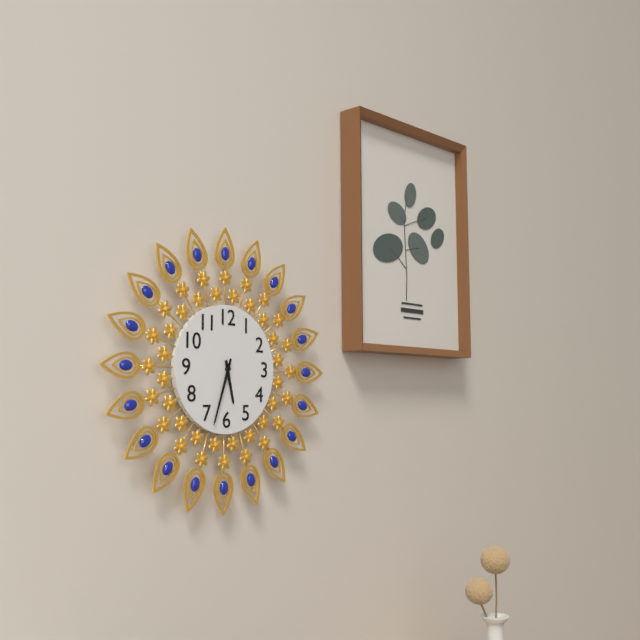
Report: h=5 m=33
